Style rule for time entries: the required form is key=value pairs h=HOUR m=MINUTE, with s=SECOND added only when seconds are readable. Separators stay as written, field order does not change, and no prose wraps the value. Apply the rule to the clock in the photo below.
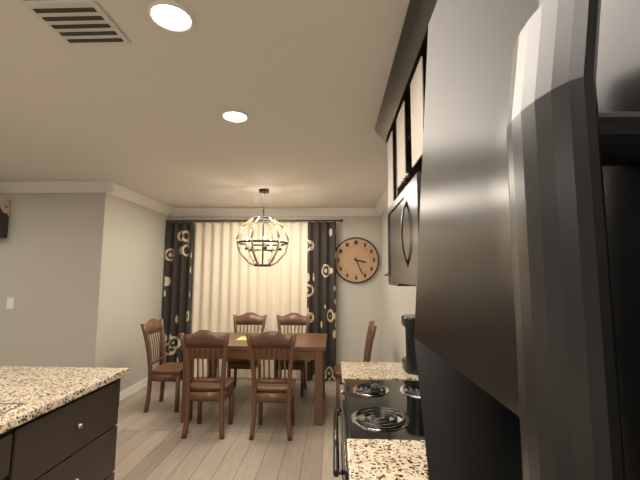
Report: h=3 m=26
